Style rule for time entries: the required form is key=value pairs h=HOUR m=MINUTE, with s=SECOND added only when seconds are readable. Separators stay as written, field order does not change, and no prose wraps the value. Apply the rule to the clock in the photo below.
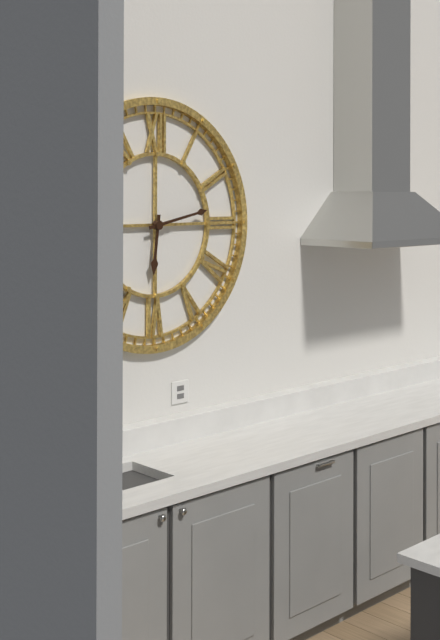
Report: h=6 m=13
